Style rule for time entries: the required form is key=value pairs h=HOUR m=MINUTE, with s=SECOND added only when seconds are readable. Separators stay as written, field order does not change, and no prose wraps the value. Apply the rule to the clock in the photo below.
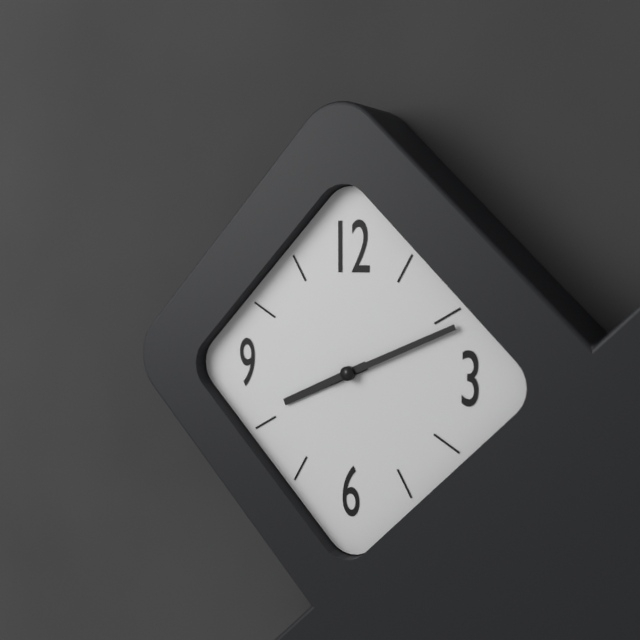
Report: h=8 m=11
